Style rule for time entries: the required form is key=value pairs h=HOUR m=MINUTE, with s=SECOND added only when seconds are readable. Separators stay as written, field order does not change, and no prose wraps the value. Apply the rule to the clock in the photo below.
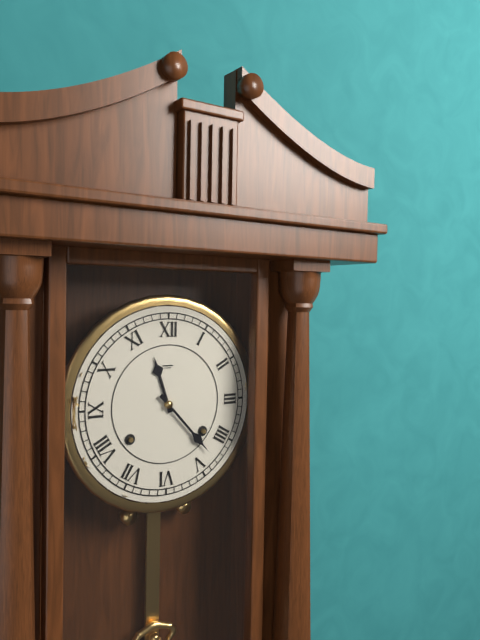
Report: h=11 m=23
